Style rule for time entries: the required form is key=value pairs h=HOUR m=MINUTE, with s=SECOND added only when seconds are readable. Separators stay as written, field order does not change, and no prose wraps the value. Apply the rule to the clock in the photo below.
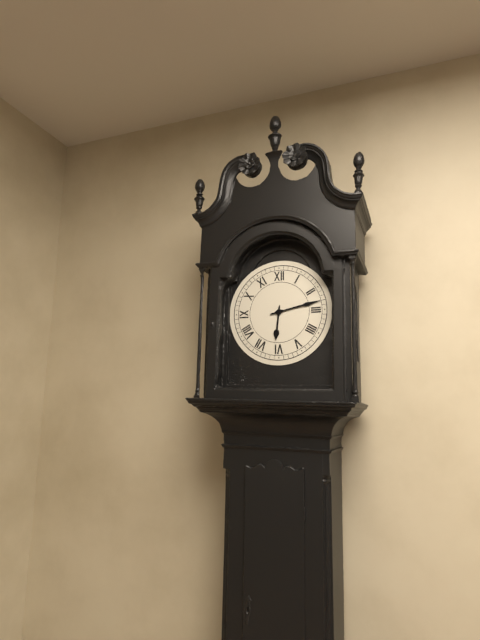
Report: h=6 m=13
